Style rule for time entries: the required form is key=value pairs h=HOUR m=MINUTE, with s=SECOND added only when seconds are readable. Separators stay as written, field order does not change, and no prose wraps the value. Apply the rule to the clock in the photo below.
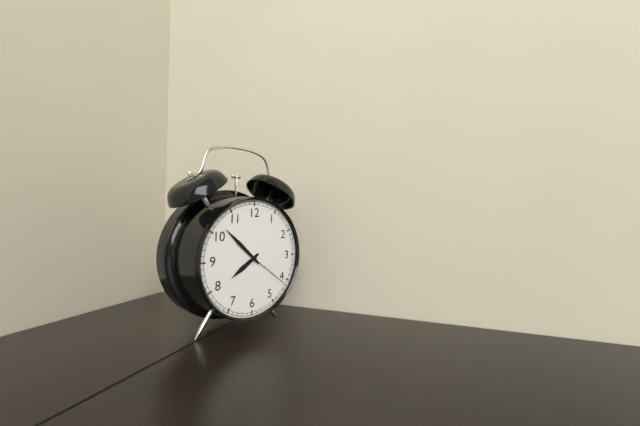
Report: h=7 m=52
